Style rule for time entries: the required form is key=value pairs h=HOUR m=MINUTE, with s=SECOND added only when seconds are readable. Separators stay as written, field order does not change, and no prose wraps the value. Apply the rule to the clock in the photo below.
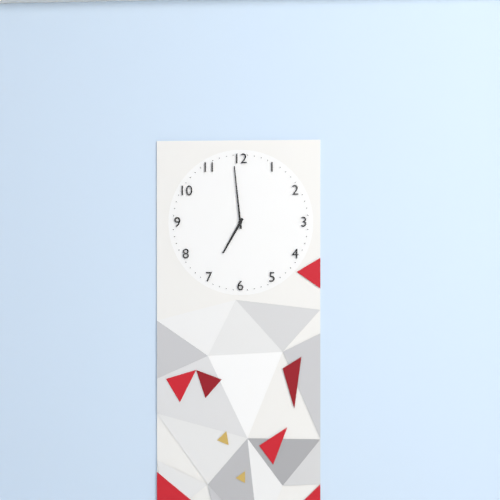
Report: h=6 m=59
